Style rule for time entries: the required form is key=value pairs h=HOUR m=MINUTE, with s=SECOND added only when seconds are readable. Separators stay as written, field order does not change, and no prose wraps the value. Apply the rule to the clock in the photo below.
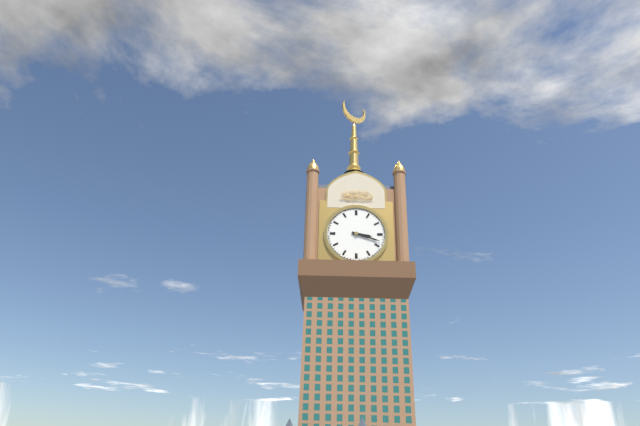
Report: h=3 m=18
